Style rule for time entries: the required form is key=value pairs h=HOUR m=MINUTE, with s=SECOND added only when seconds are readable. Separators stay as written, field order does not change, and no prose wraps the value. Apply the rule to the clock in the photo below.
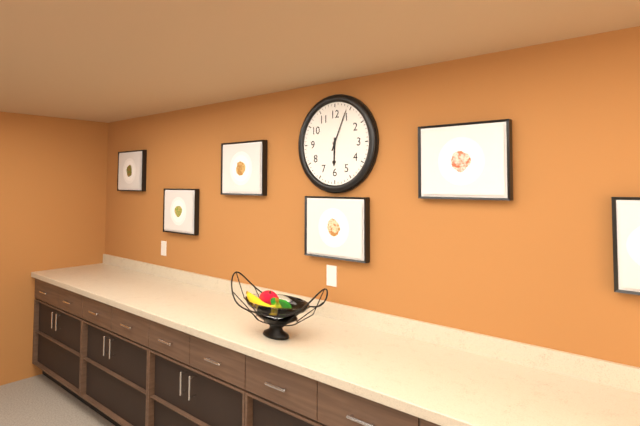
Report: h=6 m=4
